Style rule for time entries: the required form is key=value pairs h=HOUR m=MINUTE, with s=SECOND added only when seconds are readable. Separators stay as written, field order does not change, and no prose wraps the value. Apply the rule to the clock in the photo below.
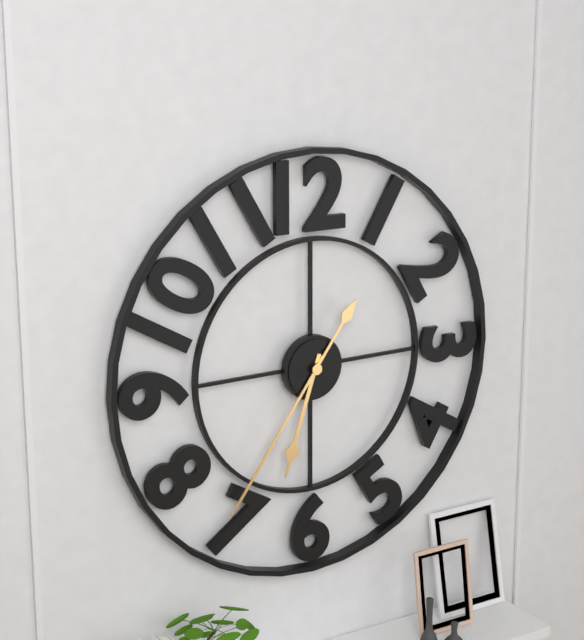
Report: h=6 m=36
